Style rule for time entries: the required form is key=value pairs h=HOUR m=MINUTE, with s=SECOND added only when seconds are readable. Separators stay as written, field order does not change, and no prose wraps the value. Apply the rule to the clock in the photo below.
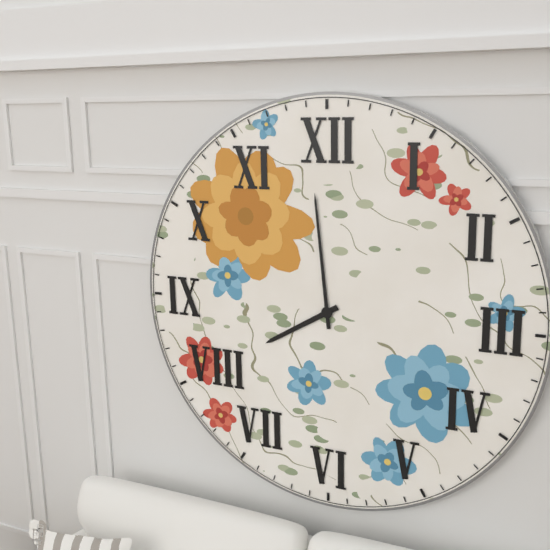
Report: h=7 m=59
